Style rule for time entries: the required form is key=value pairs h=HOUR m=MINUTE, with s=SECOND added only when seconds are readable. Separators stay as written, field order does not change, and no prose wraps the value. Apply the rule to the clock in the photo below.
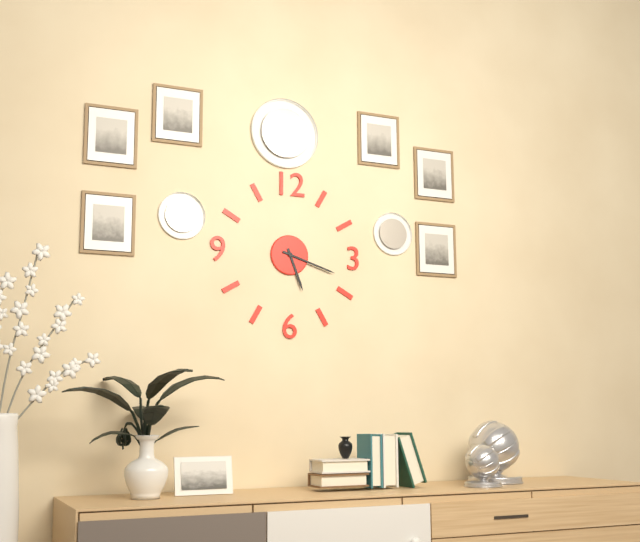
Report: h=5 m=18
